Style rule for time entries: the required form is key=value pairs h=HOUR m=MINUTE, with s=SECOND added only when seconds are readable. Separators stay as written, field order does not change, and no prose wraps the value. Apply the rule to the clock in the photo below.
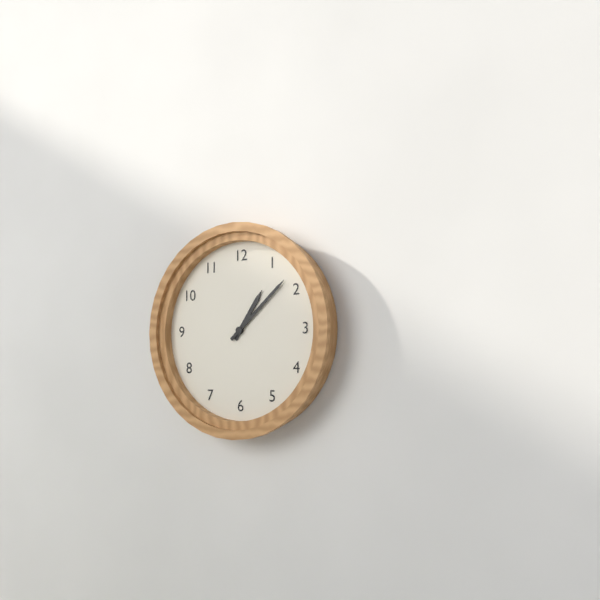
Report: h=1 m=8
